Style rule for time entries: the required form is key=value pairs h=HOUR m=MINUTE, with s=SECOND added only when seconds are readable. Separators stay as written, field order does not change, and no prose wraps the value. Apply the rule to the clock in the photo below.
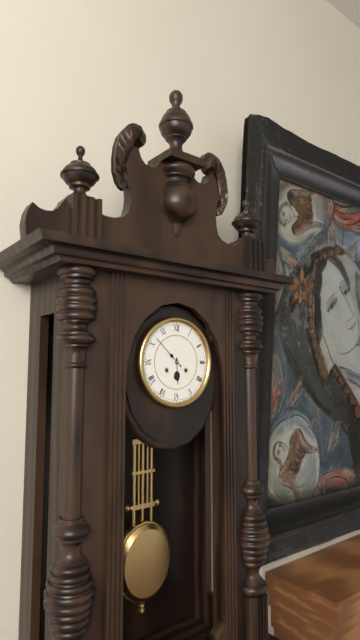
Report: h=5 m=52
